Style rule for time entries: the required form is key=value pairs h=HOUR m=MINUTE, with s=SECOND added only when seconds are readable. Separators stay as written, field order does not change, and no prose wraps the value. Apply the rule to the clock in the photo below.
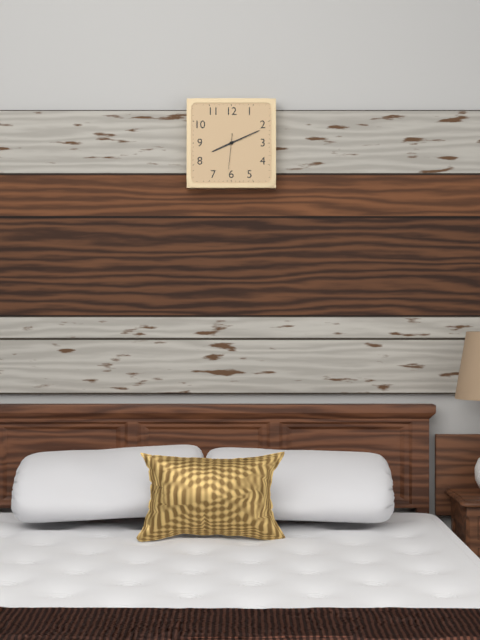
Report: h=8 m=11
